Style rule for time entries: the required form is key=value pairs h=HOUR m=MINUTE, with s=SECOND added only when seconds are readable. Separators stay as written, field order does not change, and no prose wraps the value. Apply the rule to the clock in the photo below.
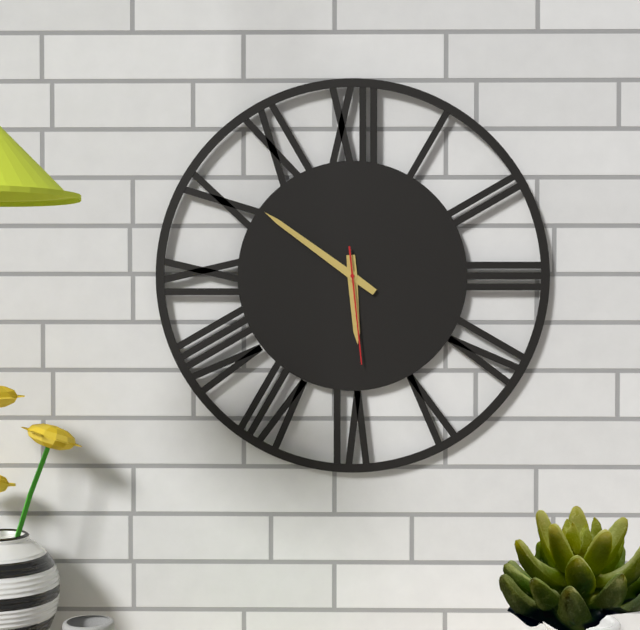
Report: h=5 m=51 s=29
